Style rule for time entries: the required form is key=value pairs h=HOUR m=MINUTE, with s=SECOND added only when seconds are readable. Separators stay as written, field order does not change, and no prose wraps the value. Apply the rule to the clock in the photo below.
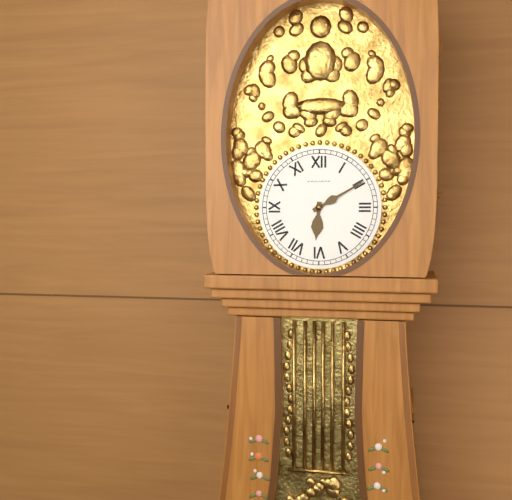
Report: h=6 m=10
